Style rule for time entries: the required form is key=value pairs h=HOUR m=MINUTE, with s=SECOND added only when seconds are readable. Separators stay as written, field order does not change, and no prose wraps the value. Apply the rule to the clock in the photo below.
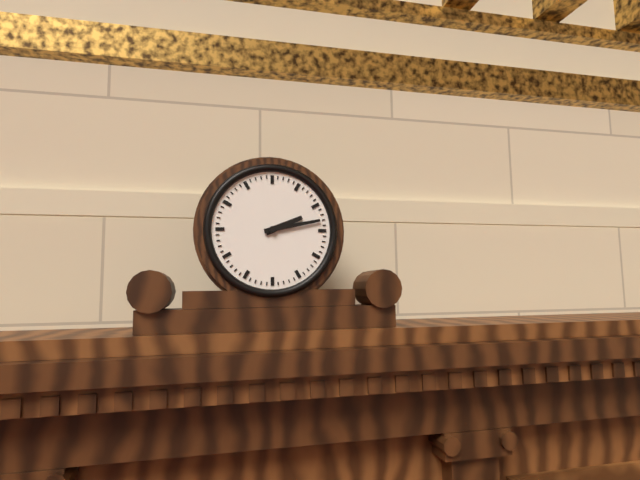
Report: h=2 m=13
